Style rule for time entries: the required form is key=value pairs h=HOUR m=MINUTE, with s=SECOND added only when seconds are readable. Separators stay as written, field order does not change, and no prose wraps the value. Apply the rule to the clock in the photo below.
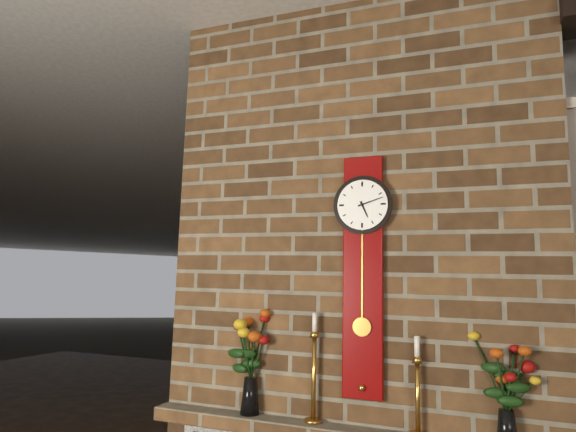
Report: h=5 m=12
